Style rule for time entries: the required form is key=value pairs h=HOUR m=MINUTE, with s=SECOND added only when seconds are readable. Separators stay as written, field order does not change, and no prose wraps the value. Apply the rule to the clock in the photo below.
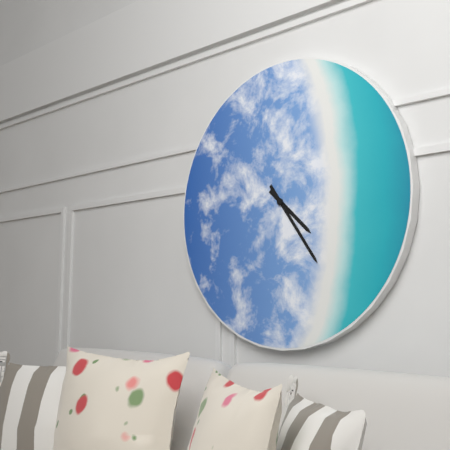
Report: h=4 m=24
